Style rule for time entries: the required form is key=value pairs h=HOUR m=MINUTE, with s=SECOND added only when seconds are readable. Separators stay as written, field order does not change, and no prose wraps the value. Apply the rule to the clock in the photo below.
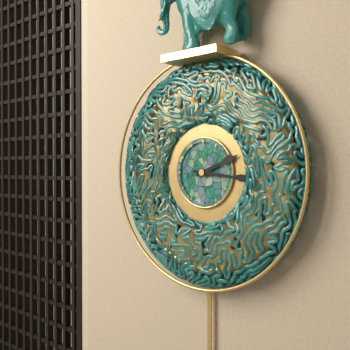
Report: h=2 m=16
